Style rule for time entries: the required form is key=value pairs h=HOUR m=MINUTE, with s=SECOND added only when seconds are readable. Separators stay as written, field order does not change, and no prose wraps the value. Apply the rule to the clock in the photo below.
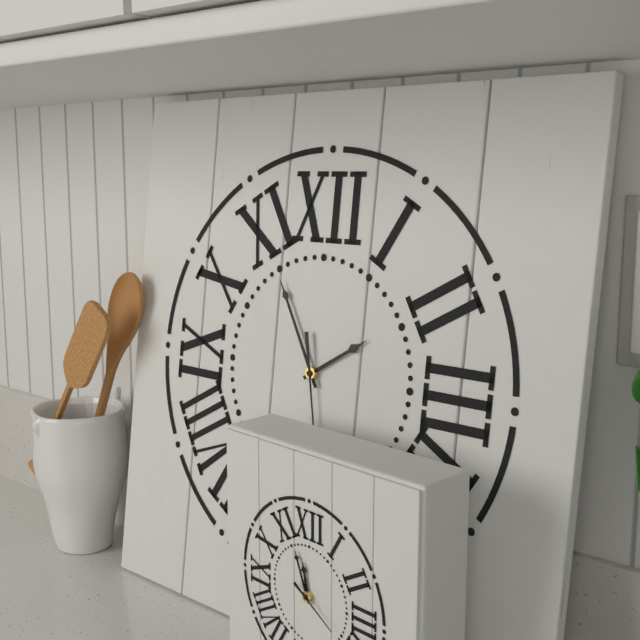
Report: h=1 m=55
